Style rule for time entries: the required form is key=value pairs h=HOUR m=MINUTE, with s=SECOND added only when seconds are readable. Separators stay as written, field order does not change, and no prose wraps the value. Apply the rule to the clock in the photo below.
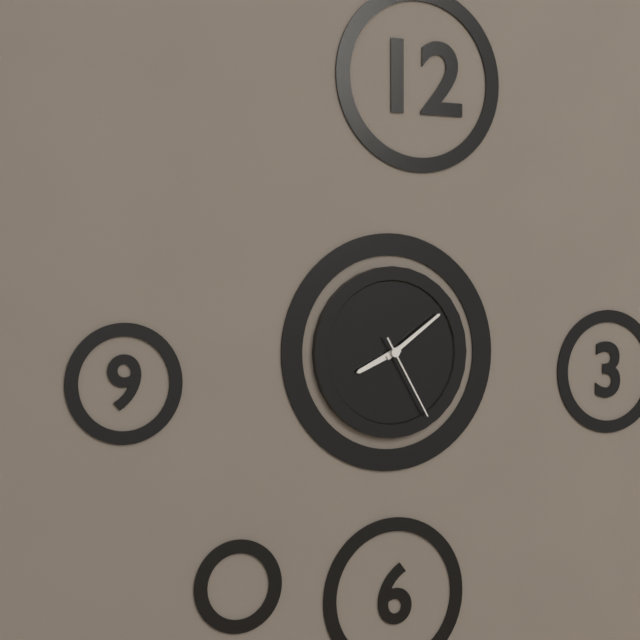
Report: h=8 m=9 s=25
